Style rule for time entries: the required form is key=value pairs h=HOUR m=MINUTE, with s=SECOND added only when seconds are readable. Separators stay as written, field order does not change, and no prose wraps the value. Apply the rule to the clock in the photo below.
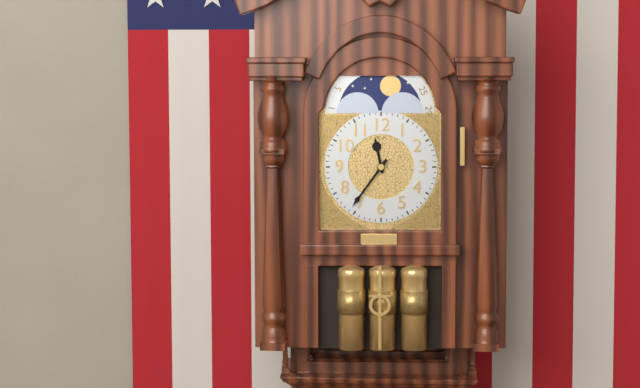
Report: h=11 m=36
